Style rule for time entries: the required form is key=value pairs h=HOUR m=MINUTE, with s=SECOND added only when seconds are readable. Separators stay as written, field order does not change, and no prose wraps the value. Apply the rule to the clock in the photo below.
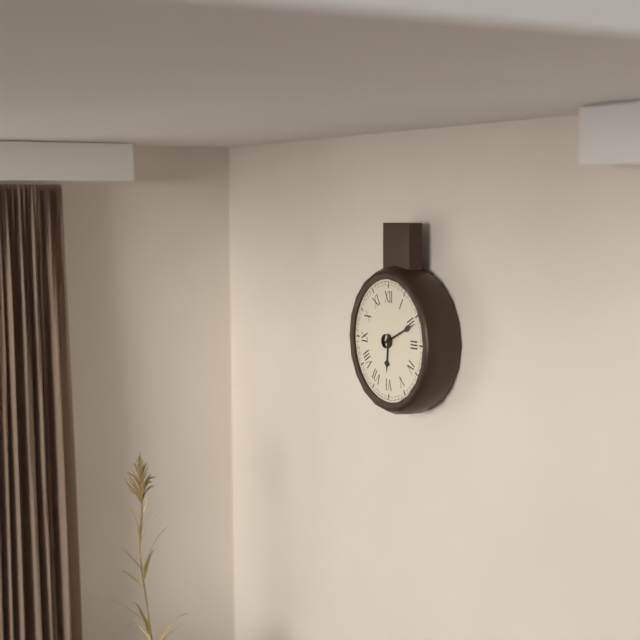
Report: h=6 m=11
